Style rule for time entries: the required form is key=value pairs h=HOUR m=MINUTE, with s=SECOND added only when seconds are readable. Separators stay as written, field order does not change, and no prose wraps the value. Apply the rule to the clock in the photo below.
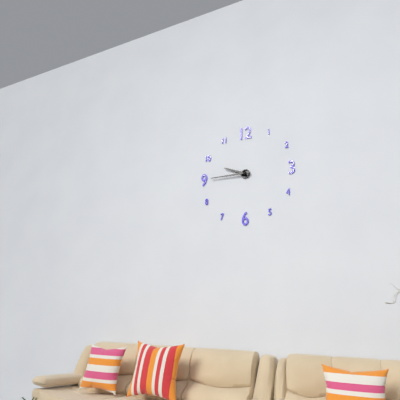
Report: h=9 m=45
